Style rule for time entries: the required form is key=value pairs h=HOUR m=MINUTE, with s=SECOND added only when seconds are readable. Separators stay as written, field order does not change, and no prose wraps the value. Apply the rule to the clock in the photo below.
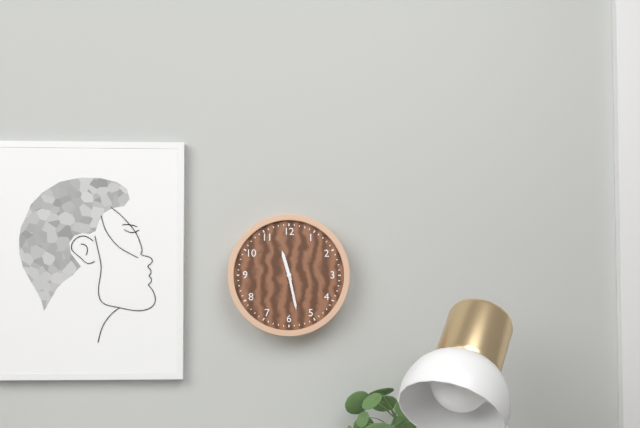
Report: h=11 m=28
